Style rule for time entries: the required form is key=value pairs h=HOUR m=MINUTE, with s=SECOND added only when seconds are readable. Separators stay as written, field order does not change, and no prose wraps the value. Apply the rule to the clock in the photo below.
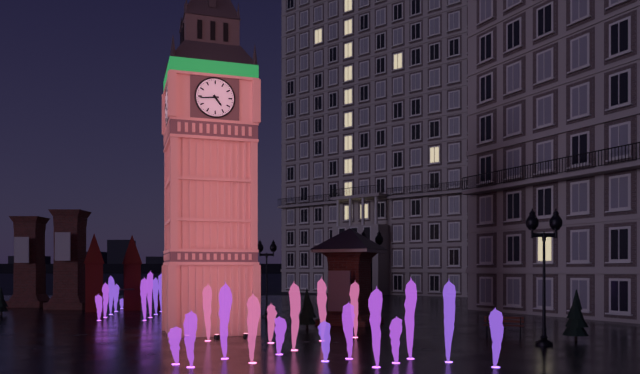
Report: h=4 m=44
